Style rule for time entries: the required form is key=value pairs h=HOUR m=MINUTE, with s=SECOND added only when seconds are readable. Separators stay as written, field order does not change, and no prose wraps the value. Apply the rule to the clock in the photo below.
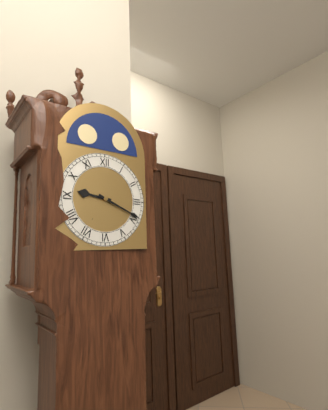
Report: h=9 m=19
